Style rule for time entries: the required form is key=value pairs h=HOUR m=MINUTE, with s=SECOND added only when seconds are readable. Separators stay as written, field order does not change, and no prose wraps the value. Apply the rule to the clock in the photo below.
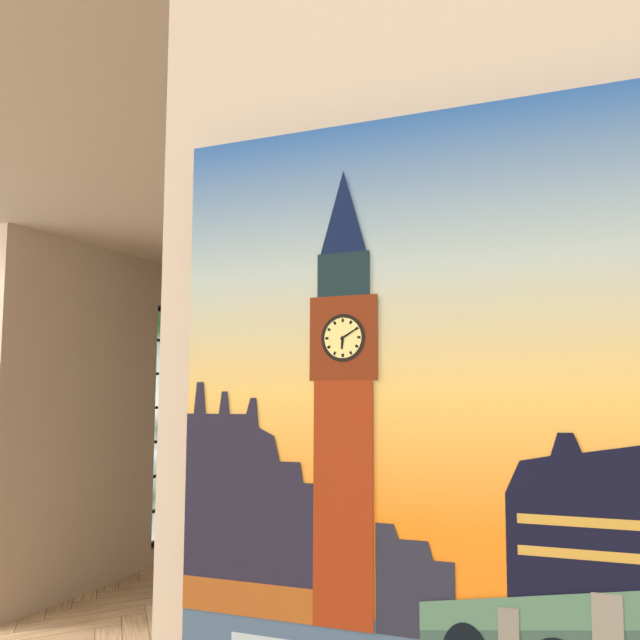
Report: h=6 m=10
